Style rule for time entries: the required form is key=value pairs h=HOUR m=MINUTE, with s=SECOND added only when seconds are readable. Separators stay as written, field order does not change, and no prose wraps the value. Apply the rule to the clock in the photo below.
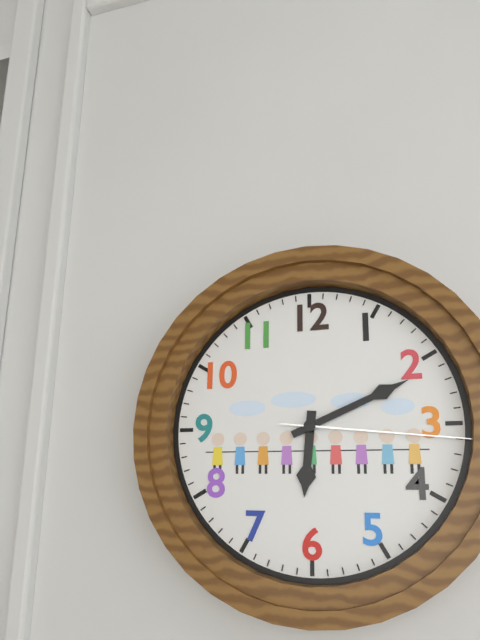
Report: h=6 m=11 s=16
